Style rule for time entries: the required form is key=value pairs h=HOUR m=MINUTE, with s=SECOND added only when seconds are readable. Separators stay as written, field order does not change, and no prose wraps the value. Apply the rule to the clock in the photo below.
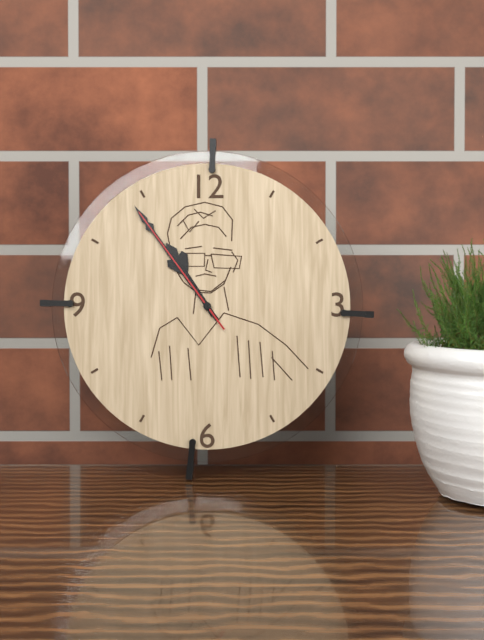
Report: h=10 m=54 s=54
